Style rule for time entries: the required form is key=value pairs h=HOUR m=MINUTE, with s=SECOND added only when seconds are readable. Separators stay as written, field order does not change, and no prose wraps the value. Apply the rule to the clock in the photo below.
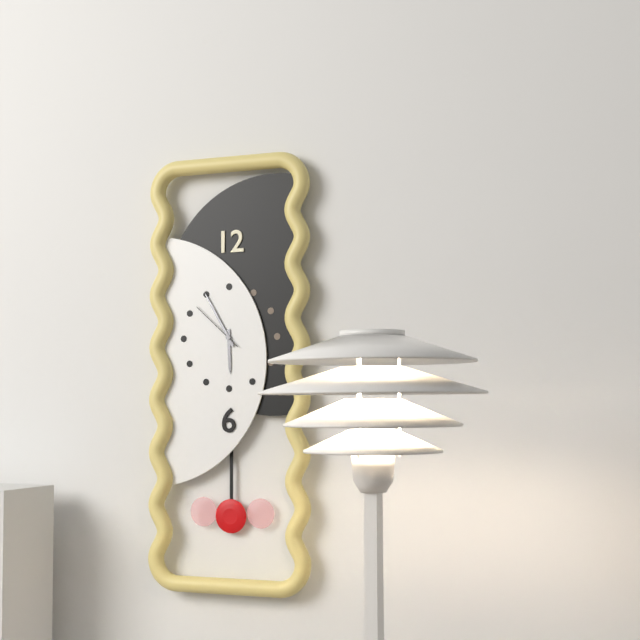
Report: h=5 m=55 s=52
